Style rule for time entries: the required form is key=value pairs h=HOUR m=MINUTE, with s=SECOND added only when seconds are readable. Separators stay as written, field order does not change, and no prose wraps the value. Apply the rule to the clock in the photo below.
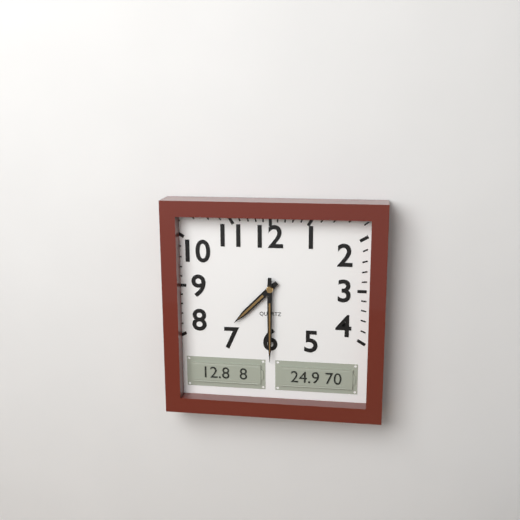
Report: h=7 m=30
